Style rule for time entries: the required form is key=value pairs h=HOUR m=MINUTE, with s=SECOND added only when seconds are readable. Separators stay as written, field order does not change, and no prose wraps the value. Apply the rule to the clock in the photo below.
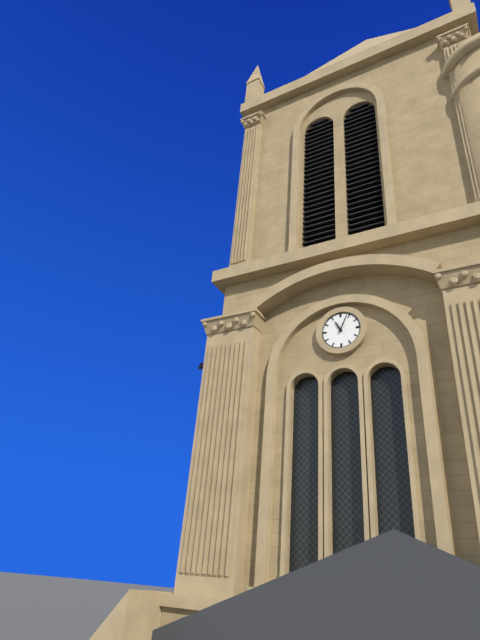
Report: h=11 m=4
